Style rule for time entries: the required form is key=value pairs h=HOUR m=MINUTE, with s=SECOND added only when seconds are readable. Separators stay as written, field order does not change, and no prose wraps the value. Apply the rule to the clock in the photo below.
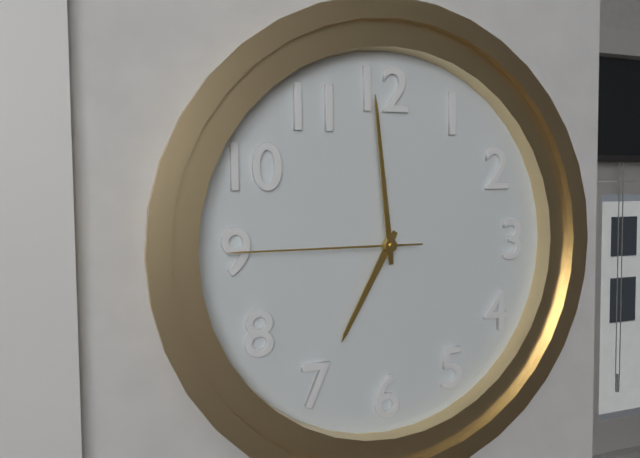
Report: h=6 m=59 s=45
